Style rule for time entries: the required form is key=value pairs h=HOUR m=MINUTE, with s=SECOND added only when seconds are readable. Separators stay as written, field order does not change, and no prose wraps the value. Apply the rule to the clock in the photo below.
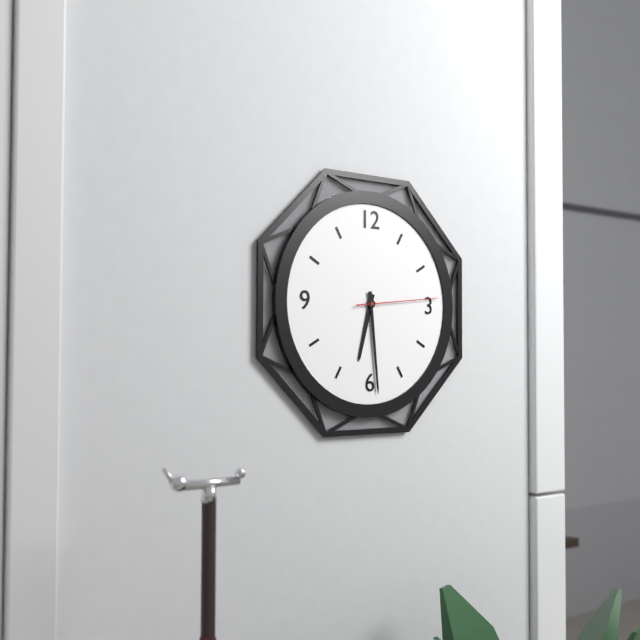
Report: h=6 m=29 s=14
